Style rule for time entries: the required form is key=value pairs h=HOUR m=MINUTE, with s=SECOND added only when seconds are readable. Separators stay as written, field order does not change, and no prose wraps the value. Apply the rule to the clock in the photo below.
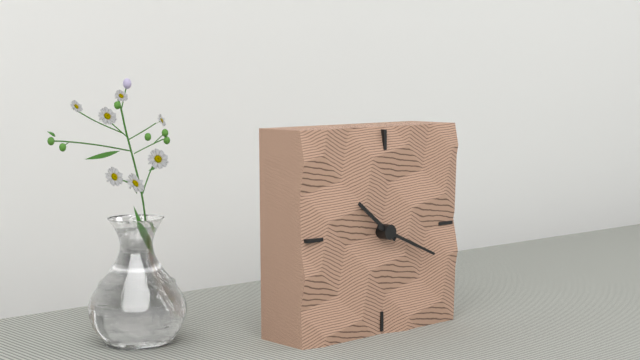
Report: h=10 m=19
